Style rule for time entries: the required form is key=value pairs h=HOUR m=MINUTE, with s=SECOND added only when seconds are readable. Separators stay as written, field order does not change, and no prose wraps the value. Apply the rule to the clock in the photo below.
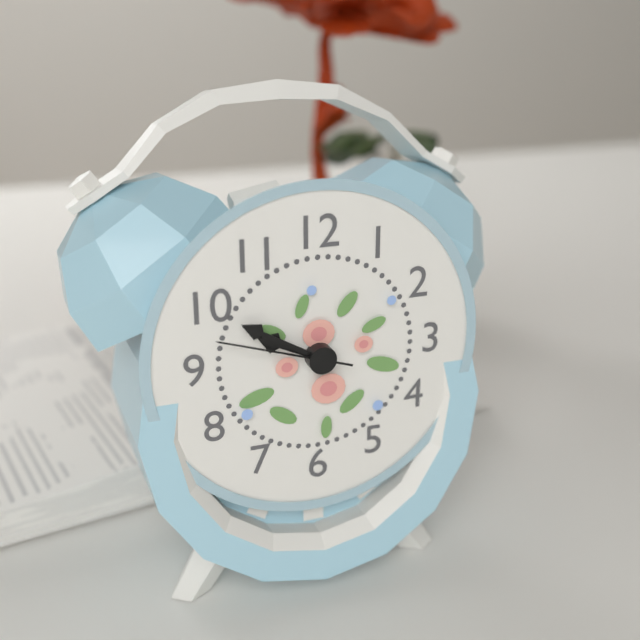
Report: h=9 m=50 s=48
